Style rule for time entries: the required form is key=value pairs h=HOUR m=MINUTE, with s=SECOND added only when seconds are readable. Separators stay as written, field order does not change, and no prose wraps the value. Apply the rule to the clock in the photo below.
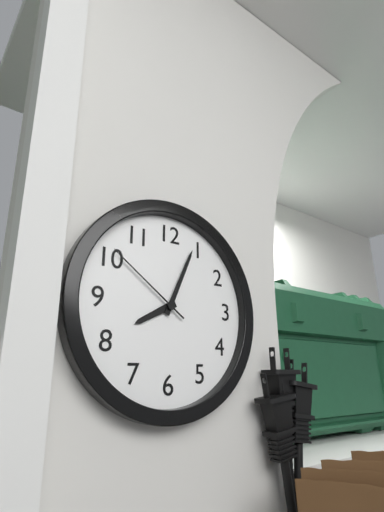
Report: h=8 m=4 s=51
